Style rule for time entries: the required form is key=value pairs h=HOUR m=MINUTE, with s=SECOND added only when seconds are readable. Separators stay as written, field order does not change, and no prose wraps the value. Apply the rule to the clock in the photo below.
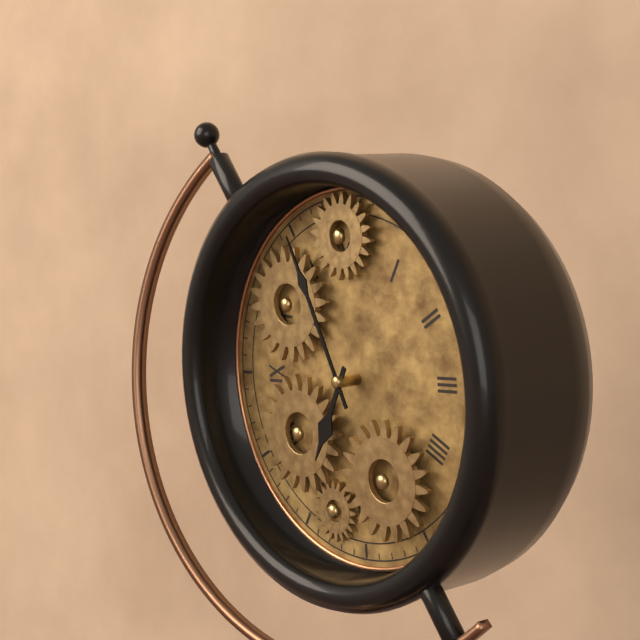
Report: h=6 m=56
